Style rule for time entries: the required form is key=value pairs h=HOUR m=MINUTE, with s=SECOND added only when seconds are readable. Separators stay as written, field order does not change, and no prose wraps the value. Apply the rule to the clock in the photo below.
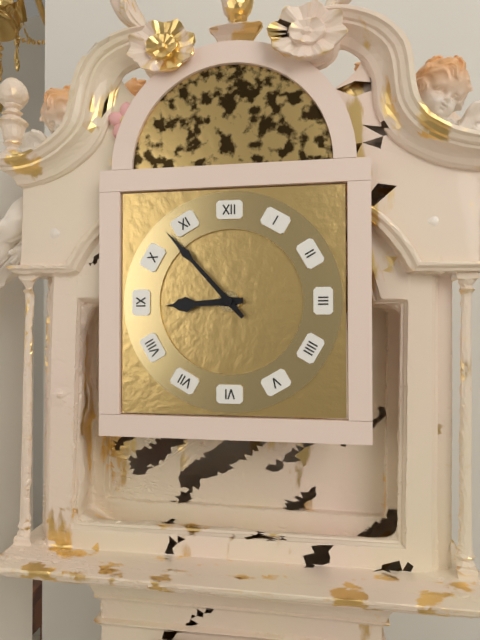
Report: h=8 m=53
